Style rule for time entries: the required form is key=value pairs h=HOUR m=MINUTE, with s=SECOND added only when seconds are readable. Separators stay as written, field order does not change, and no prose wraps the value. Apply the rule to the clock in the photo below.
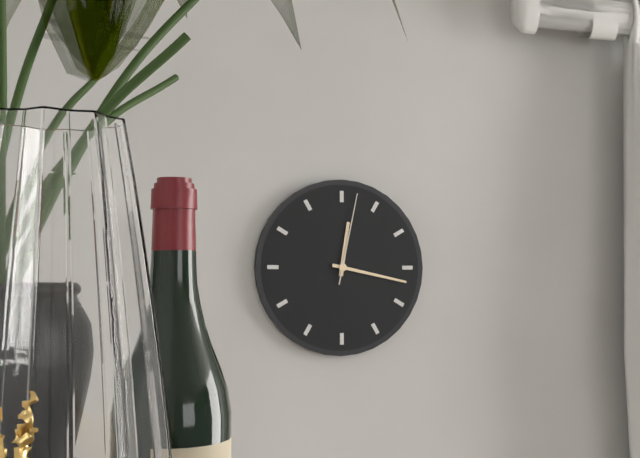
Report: h=12 m=17 s=2
